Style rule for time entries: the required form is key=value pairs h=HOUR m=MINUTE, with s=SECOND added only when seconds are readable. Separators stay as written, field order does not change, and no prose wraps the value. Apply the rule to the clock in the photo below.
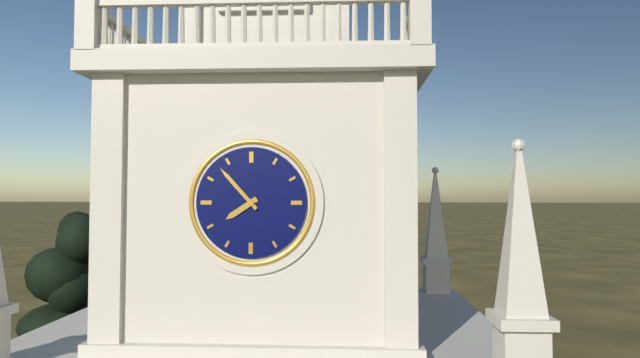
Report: h=7 m=53
